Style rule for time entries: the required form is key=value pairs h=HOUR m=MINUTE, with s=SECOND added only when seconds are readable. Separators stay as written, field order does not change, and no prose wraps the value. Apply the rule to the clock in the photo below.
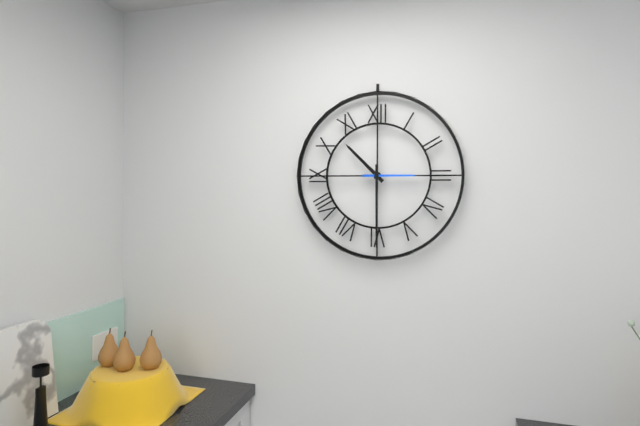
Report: h=10 m=30
